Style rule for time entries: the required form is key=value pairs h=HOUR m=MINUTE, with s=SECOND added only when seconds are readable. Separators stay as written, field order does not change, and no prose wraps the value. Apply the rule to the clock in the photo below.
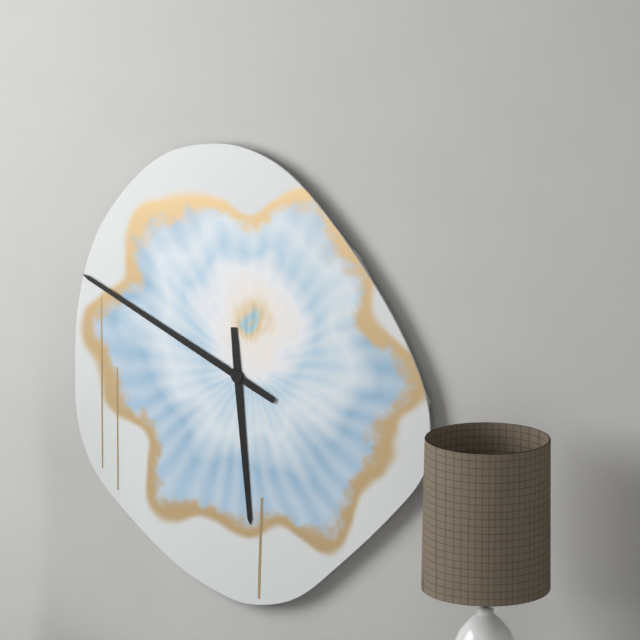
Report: h=5 m=49
